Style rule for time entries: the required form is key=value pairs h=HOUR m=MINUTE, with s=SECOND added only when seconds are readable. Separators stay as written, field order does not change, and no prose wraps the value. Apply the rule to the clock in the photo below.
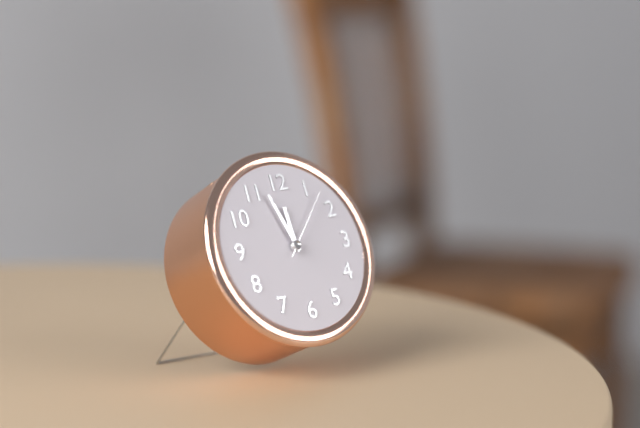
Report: h=11 m=57 s=7
